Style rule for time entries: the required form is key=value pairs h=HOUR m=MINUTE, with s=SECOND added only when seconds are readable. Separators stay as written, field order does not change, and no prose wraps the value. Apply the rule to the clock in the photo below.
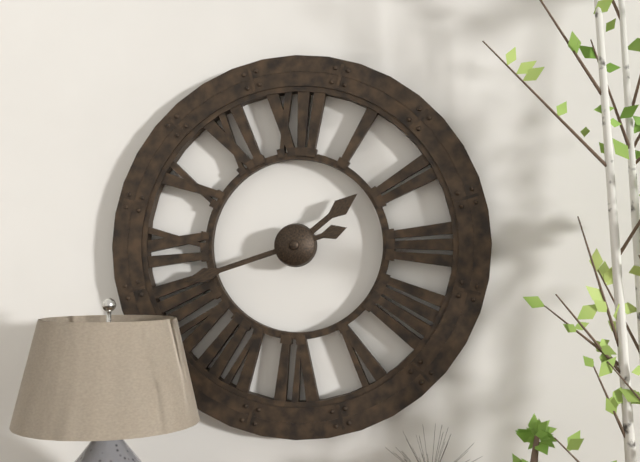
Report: h=1 m=42
